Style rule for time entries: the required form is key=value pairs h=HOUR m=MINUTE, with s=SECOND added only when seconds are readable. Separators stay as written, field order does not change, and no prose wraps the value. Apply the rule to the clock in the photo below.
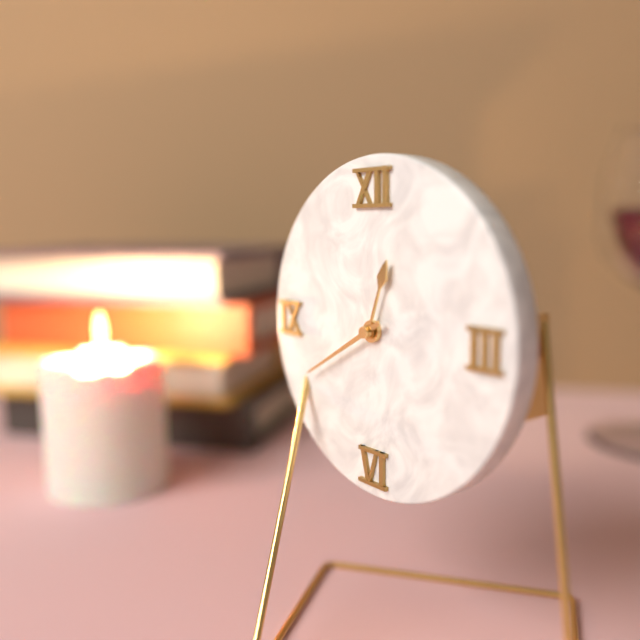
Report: h=12 m=40
